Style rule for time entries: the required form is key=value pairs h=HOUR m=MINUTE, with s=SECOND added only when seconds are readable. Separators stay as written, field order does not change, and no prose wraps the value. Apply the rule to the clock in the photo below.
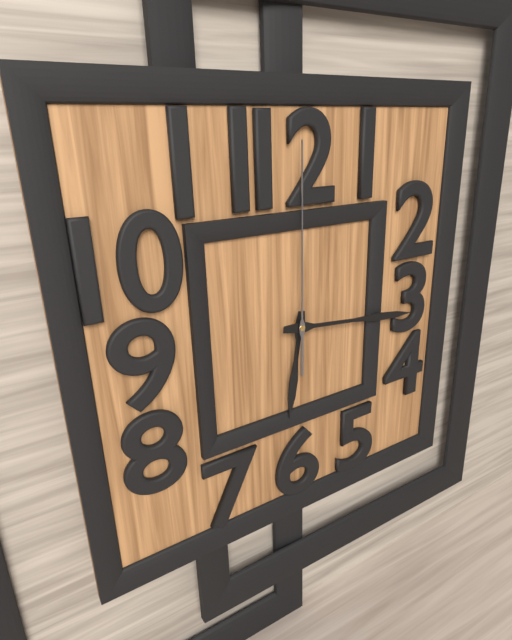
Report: h=6 m=16 s=0
